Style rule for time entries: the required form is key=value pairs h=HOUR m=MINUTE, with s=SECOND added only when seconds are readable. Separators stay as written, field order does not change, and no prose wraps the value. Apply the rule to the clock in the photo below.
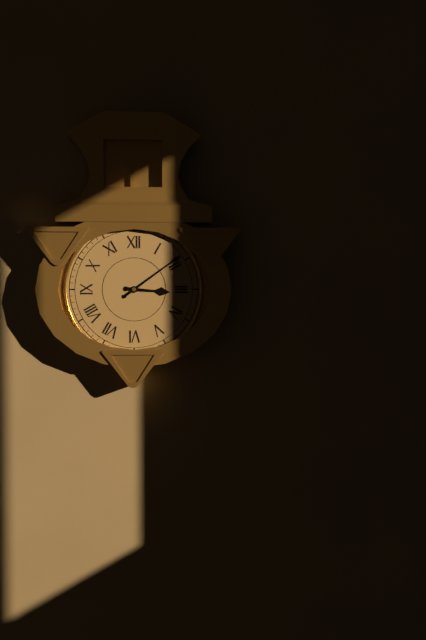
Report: h=3 m=9
